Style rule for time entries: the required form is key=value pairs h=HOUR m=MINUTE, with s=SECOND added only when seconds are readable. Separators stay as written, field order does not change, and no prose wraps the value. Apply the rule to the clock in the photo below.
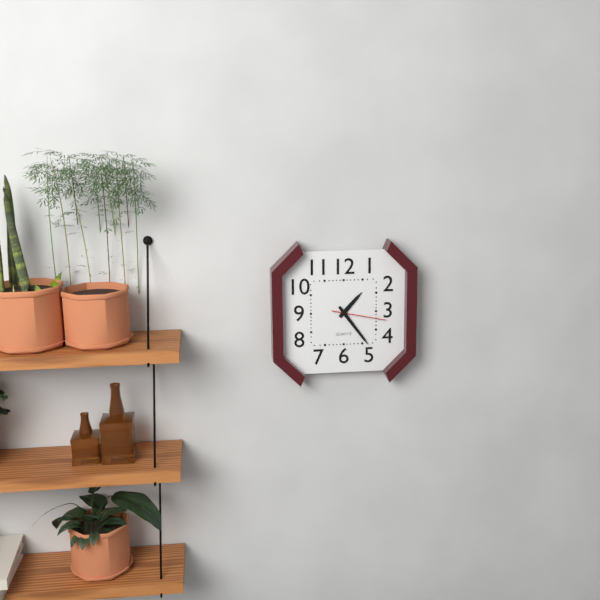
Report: h=1 m=24 s=17
